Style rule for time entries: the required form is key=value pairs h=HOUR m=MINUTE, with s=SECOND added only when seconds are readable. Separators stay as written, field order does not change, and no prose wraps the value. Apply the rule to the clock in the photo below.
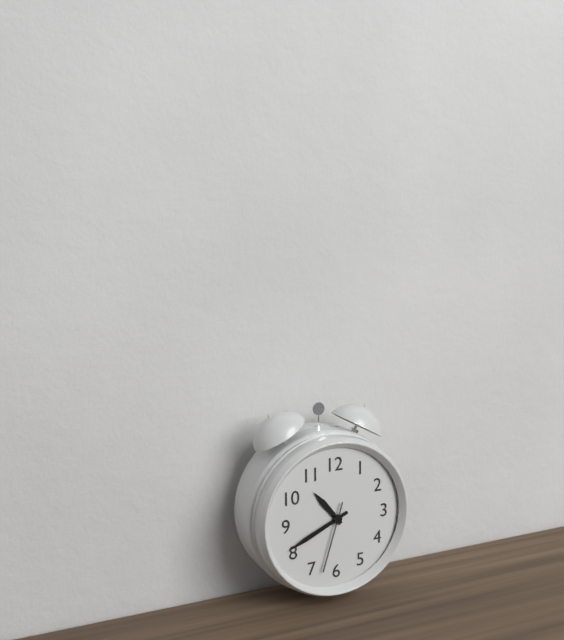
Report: h=10 m=41 s=33
